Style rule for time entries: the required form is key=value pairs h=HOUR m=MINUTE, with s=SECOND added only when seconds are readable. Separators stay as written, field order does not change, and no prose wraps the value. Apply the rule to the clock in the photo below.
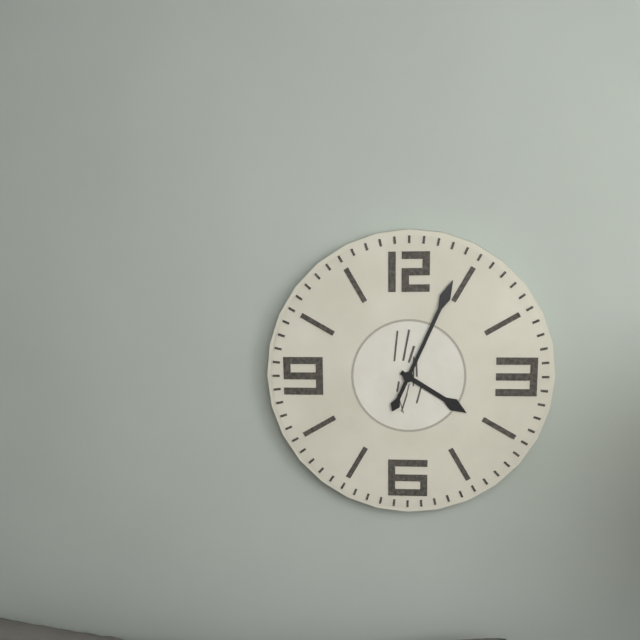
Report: h=4 m=4
